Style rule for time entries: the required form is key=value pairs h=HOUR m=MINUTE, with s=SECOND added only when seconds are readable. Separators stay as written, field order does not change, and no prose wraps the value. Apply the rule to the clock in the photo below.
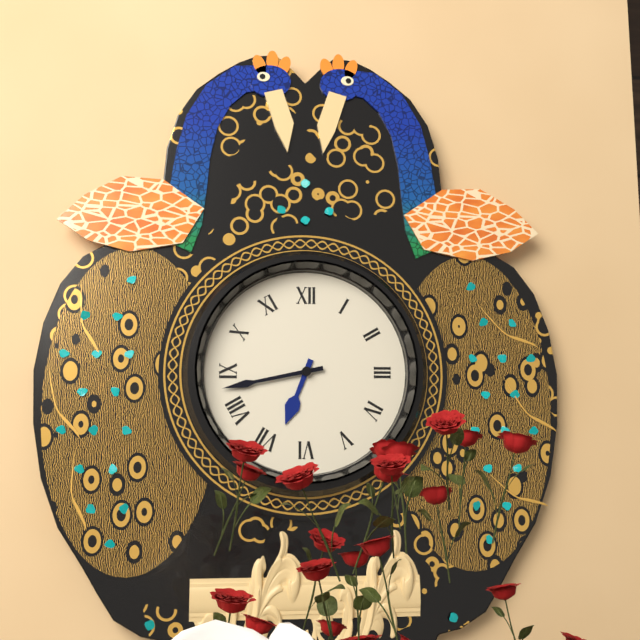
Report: h=6 m=43
